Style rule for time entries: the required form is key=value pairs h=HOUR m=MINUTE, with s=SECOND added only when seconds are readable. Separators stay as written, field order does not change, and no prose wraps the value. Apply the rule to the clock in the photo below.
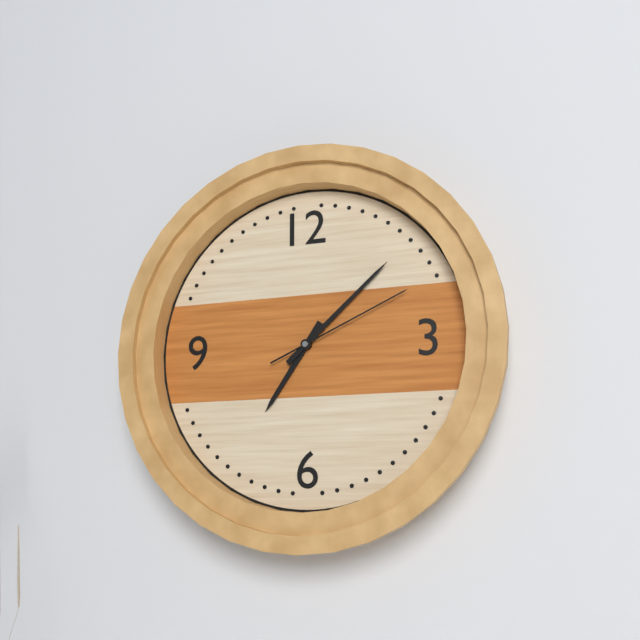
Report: h=7 m=8 s=11
